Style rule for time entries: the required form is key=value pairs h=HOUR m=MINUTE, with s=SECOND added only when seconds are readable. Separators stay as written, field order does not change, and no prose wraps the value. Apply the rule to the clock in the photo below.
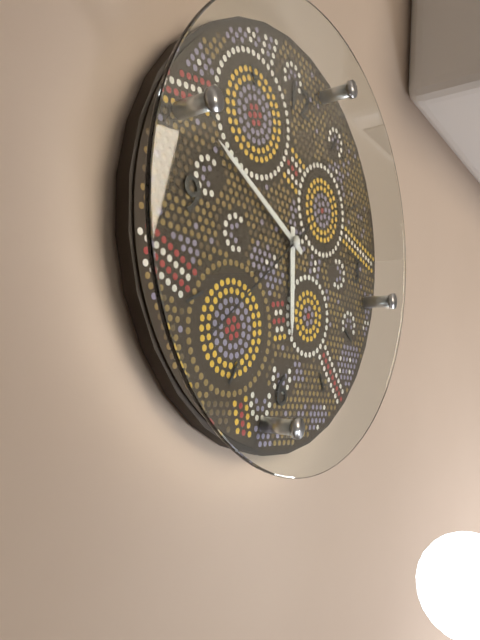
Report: h=5 m=49 s=38
